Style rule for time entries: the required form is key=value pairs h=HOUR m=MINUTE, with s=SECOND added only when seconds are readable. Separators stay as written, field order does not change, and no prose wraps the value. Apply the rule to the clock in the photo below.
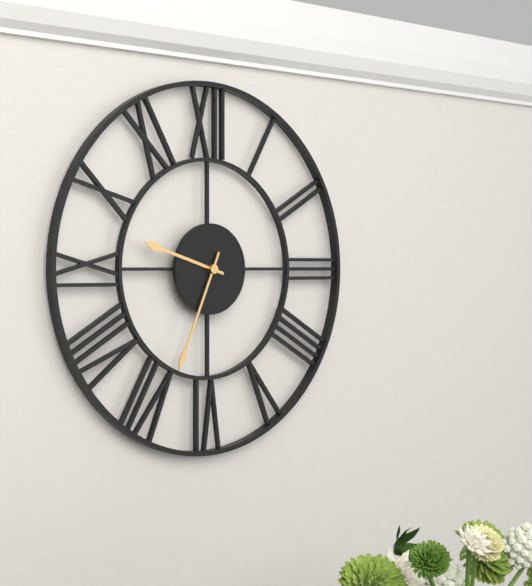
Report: h=9 m=34
